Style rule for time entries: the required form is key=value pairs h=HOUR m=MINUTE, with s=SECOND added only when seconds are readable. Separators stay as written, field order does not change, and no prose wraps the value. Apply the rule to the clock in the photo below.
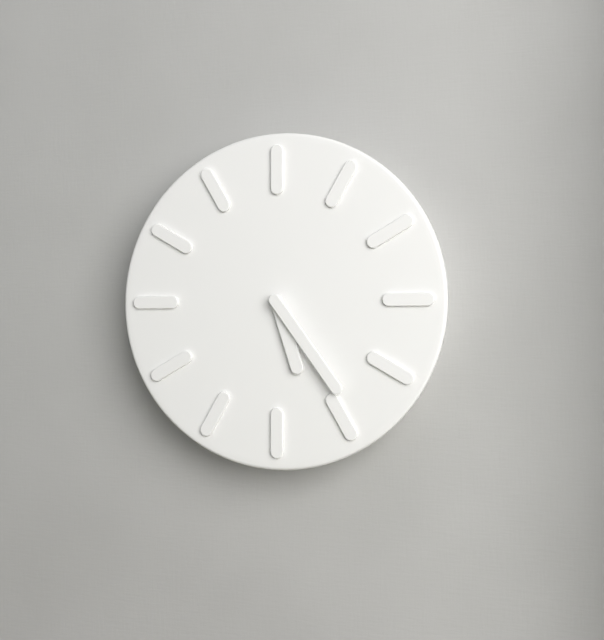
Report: h=5 m=24
